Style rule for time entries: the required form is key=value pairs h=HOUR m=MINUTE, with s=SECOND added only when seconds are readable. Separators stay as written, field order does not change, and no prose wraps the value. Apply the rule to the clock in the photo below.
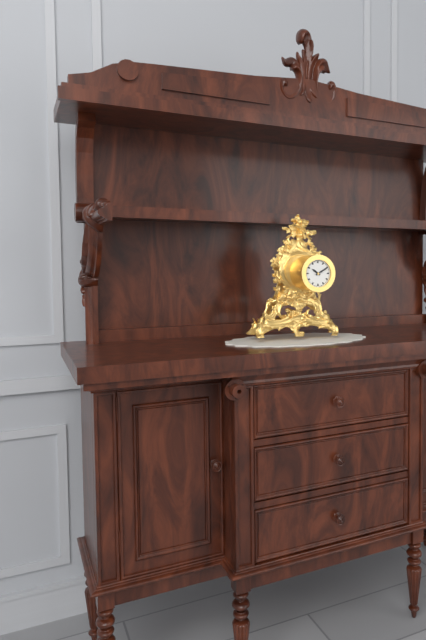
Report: h=10 m=10
